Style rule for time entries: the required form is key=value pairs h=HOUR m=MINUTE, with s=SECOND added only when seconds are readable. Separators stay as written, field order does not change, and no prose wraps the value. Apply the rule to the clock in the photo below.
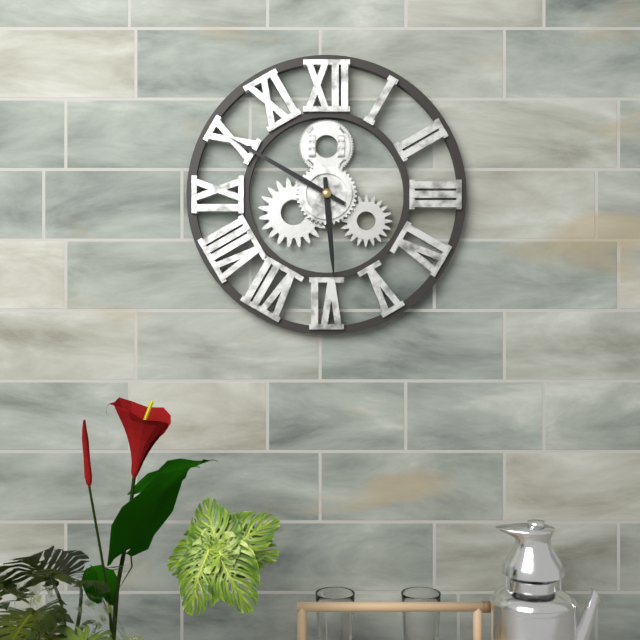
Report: h=5 m=50
